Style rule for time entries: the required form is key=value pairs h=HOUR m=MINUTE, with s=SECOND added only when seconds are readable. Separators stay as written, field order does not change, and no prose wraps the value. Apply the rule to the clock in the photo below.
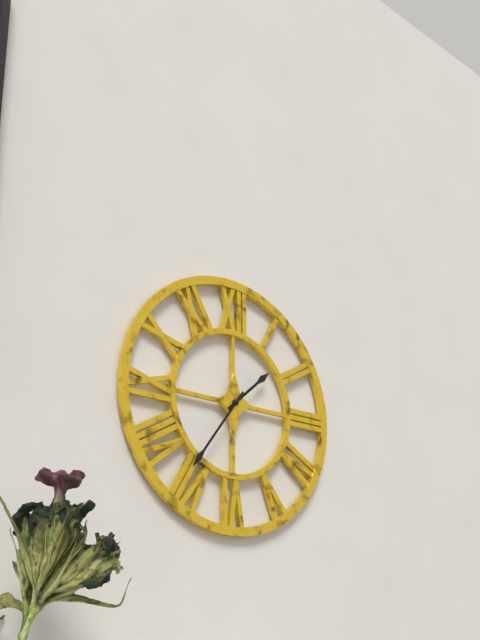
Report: h=1 m=36
